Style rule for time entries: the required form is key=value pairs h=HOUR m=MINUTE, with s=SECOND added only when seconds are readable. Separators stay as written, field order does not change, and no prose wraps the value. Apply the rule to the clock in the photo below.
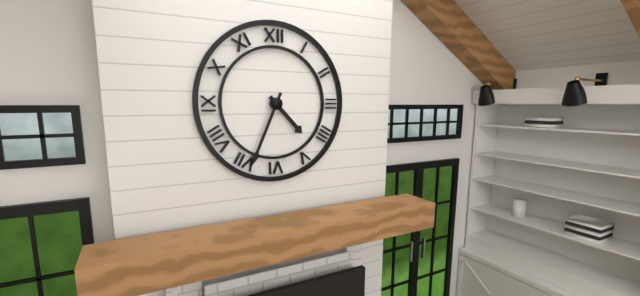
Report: h=4 m=34
